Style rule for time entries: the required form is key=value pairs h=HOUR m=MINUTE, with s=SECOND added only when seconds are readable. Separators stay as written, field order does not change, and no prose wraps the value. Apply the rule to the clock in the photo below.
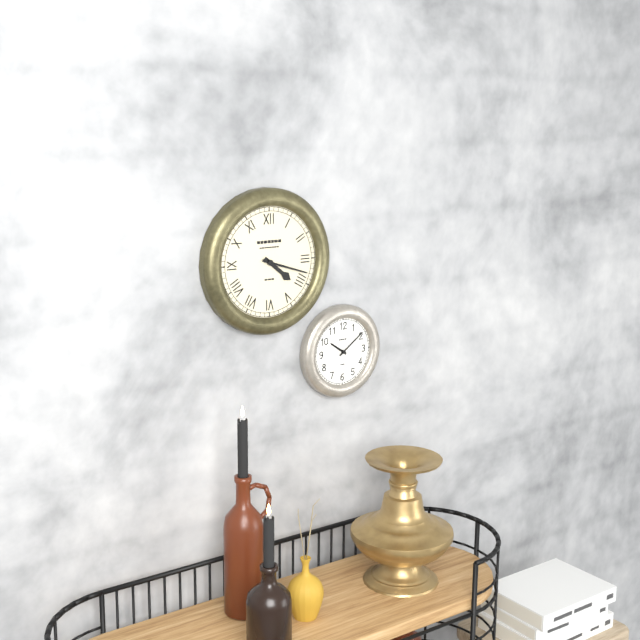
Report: h=4 m=18
